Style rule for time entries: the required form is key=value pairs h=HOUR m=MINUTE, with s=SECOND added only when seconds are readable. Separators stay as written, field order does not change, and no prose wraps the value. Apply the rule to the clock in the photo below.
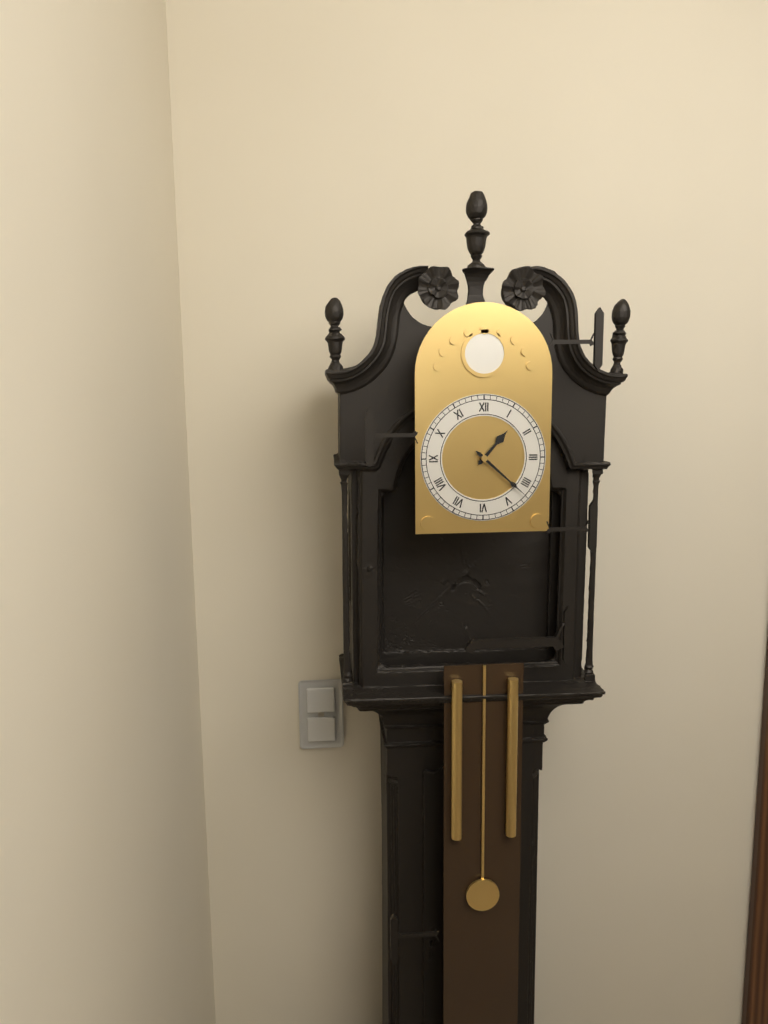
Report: h=1 m=22
